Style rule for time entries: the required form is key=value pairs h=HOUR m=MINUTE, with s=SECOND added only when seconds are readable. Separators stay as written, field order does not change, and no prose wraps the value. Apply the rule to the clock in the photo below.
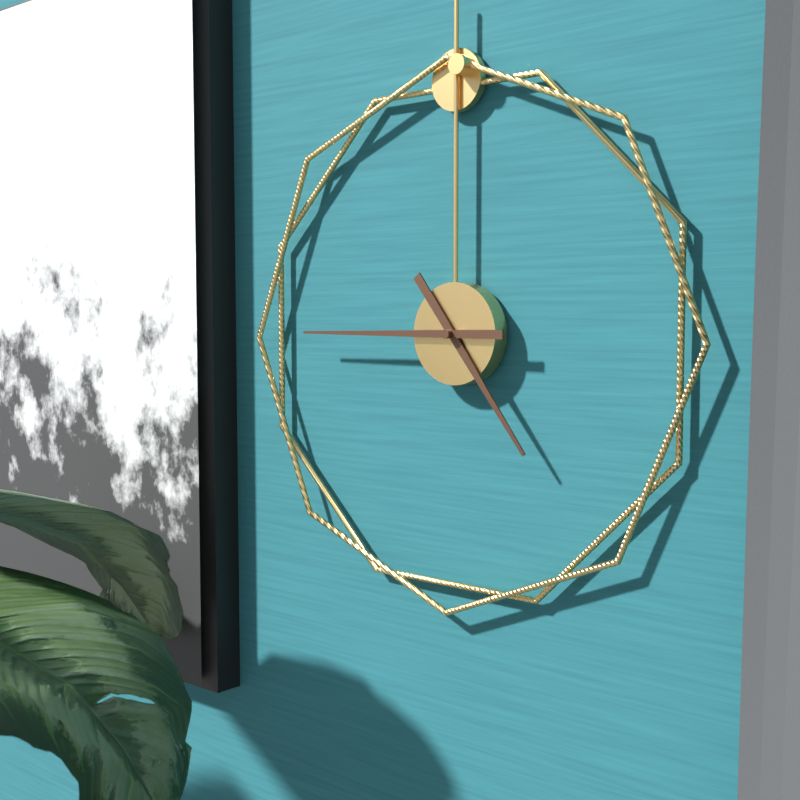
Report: h=4 m=45
